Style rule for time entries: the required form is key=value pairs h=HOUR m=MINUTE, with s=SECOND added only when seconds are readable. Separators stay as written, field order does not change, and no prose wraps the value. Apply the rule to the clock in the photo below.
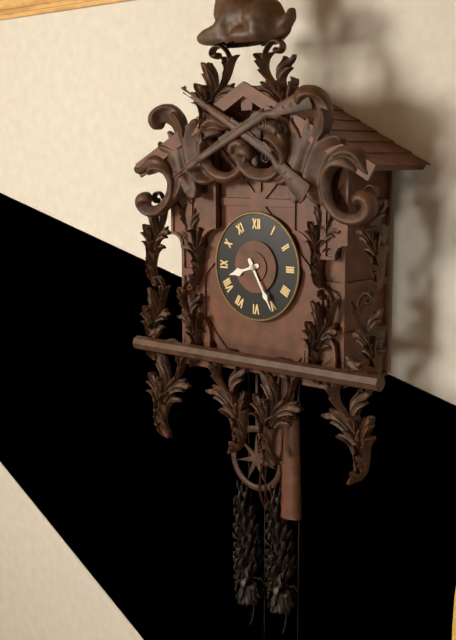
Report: h=8 m=25
